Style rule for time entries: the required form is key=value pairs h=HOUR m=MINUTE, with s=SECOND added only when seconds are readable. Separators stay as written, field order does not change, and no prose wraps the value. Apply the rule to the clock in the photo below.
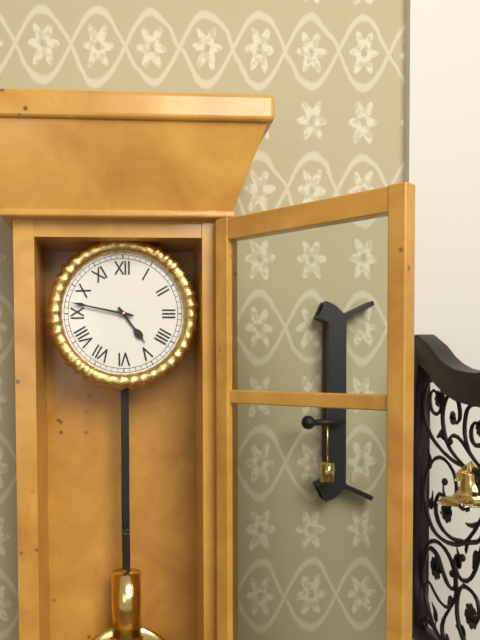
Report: h=4 m=47
